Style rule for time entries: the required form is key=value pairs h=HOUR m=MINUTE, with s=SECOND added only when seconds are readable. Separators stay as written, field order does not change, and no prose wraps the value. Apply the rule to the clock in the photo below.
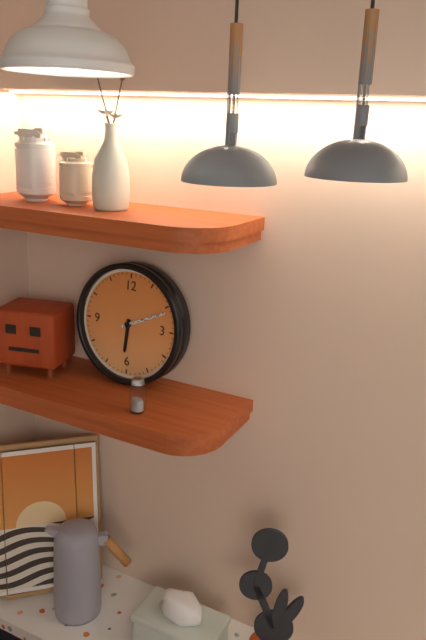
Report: h=6 m=11
